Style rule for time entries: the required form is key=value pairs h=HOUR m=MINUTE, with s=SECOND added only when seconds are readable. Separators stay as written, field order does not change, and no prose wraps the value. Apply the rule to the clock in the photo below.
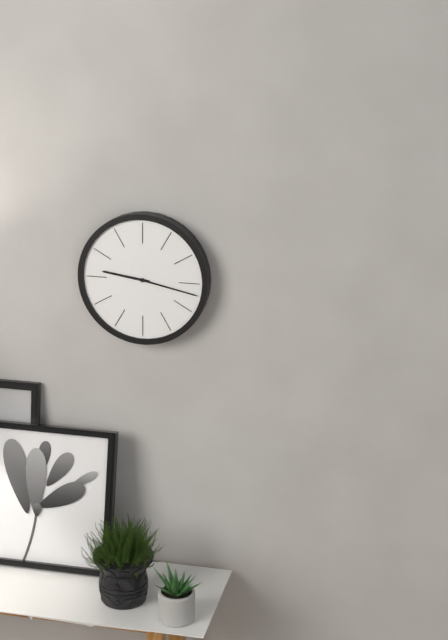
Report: h=9 m=17
